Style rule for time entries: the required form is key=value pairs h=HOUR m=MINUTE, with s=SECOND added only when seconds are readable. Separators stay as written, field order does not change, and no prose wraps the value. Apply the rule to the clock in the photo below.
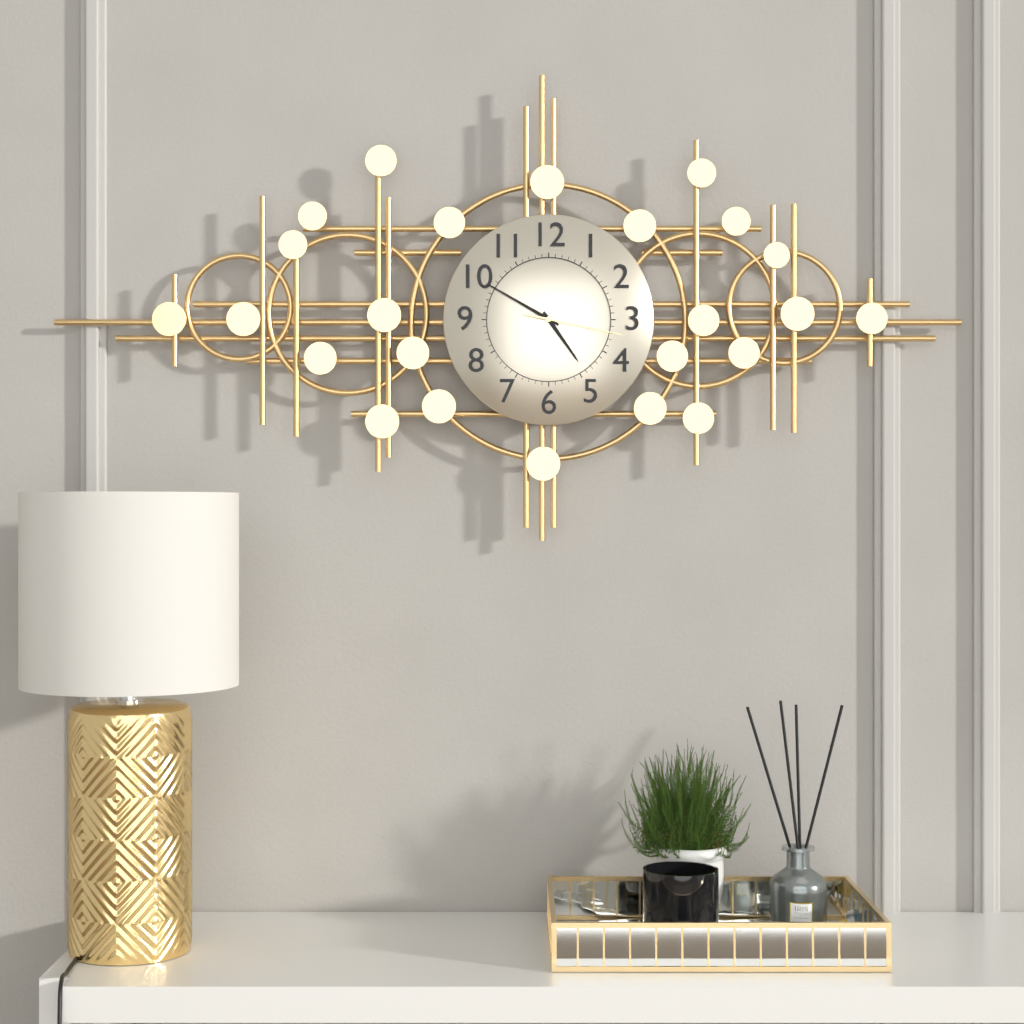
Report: h=4 m=50 s=17
